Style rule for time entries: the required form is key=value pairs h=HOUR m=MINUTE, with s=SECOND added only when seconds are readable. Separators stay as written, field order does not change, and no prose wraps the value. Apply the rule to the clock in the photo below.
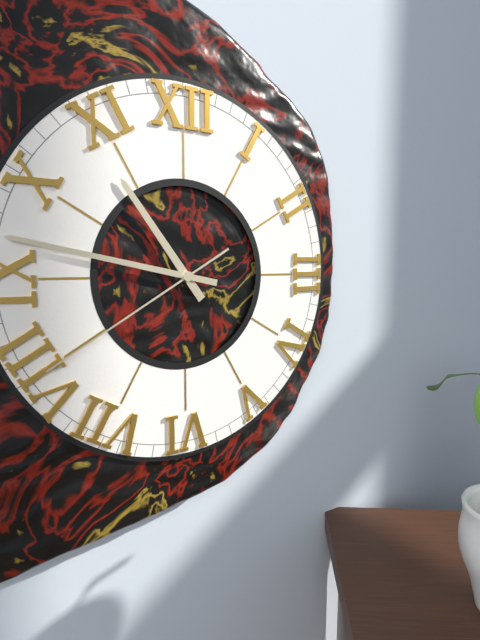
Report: h=10 m=47 s=40
